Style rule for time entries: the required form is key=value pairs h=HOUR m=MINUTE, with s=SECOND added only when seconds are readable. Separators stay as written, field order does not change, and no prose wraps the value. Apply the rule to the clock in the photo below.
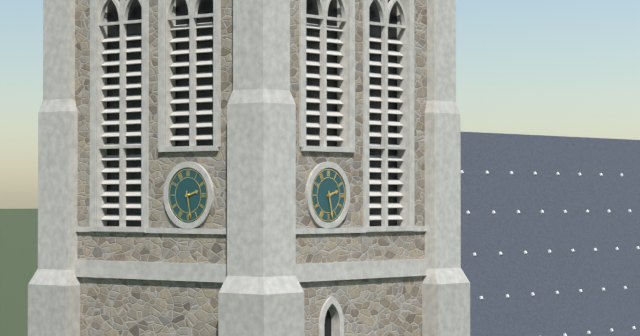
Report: h=2 m=28
